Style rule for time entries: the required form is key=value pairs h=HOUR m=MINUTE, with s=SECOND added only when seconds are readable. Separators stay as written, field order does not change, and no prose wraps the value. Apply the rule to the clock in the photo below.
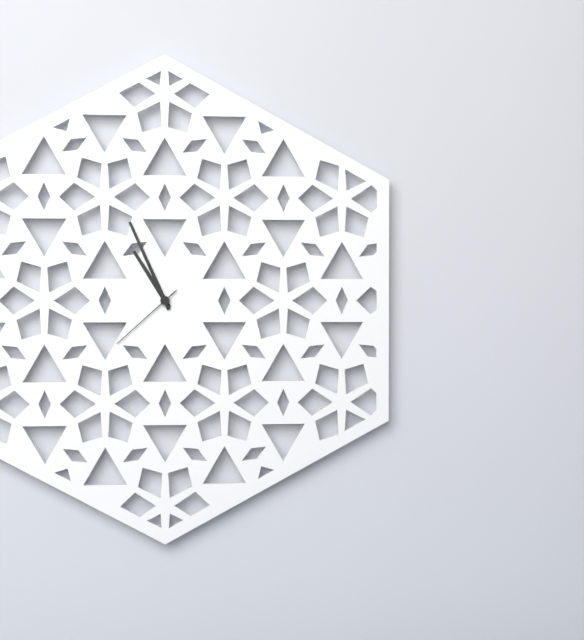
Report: h=10 m=56 s=38
